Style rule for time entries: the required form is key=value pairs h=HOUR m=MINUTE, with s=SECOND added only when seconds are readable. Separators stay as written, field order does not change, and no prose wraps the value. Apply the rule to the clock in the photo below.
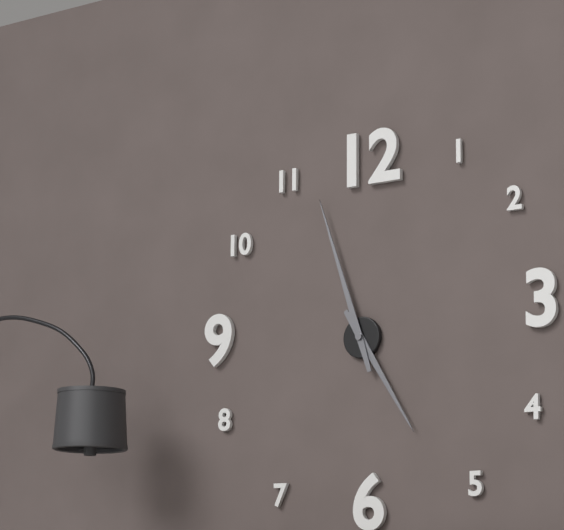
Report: h=4 m=57
